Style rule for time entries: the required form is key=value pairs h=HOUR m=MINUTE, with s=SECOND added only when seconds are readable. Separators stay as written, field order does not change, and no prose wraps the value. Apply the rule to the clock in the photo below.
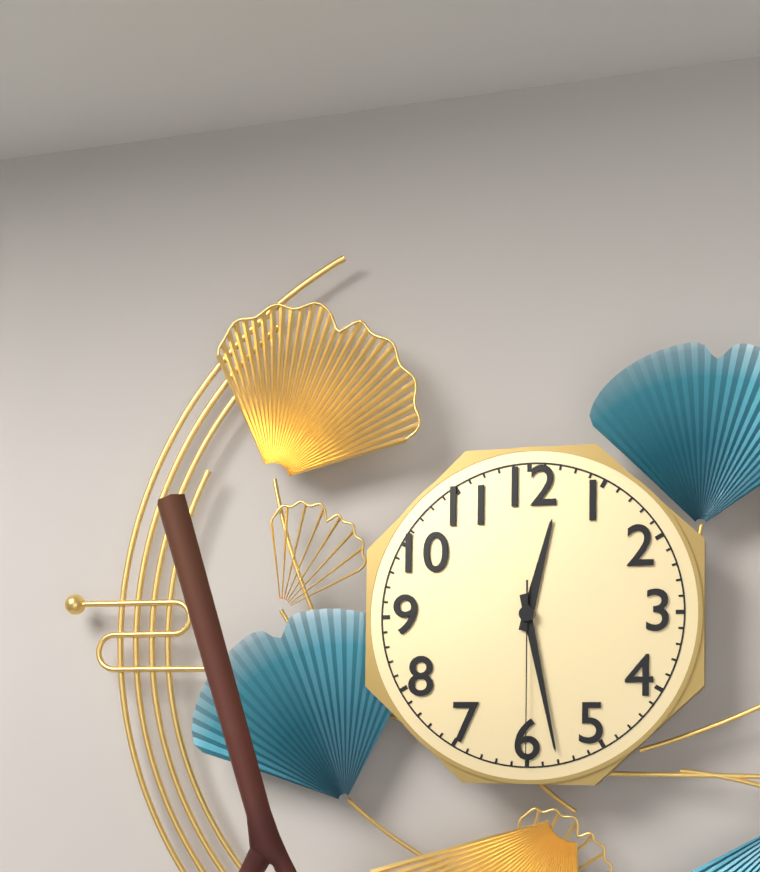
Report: h=12 m=28 s=30
